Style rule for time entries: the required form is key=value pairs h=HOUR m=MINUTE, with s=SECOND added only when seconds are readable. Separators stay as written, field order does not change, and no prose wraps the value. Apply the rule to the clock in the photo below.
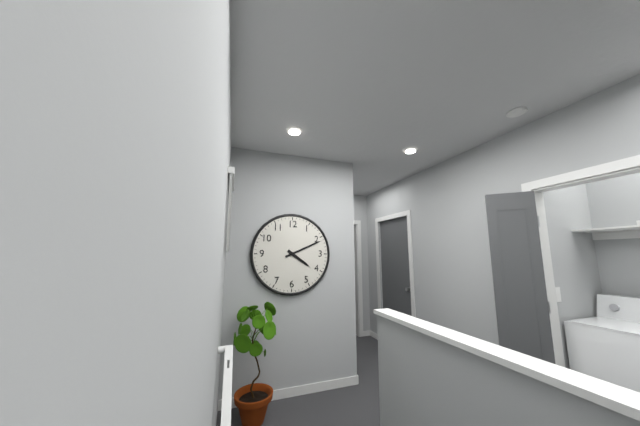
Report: h=4 m=11
